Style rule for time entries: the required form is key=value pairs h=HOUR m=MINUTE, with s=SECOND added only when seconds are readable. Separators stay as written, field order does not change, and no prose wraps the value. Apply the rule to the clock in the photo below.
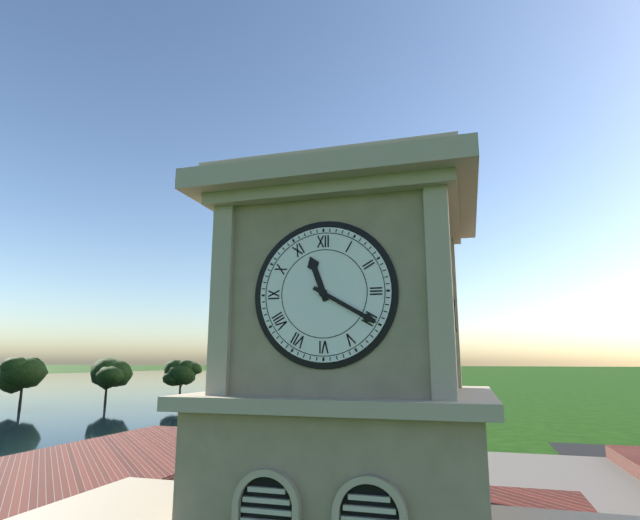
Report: h=11 m=20
